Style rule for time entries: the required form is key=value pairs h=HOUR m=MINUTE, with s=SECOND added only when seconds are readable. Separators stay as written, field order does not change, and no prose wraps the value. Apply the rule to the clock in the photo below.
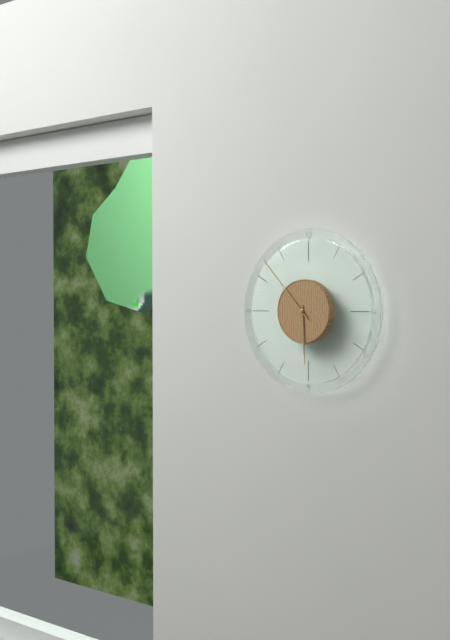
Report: h=5 m=53
